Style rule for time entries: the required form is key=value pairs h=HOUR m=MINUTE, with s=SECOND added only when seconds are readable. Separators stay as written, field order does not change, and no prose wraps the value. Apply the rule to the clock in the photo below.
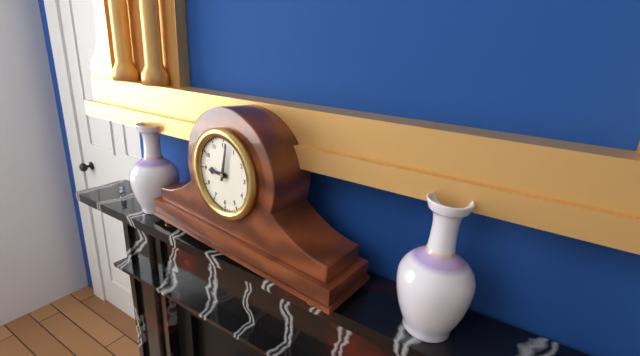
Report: h=9 m=2
